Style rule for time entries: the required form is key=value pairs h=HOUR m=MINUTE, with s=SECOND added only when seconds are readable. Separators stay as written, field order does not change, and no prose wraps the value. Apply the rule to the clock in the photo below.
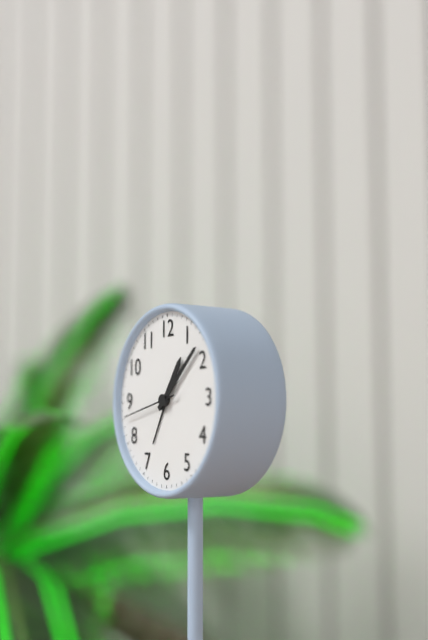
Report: h=1 m=8 s=43
